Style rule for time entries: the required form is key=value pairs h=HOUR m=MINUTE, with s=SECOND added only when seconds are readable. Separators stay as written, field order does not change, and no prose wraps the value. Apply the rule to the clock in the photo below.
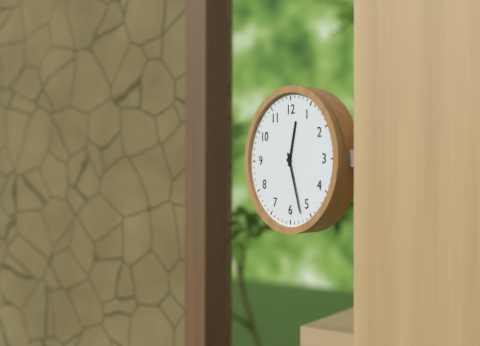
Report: h=12 m=27
